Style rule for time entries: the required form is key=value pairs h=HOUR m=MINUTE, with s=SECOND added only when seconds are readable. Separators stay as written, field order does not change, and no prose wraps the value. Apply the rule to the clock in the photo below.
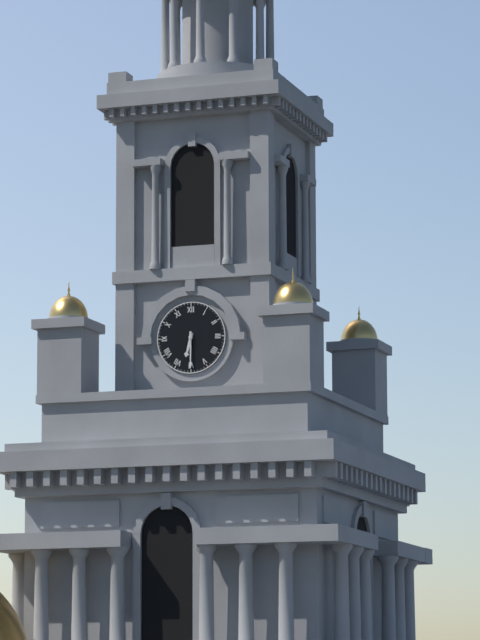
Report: h=6 m=30
